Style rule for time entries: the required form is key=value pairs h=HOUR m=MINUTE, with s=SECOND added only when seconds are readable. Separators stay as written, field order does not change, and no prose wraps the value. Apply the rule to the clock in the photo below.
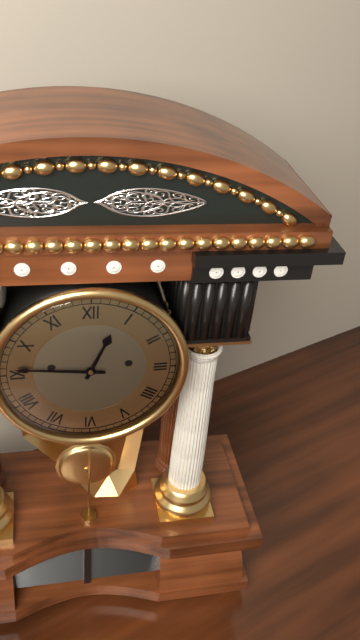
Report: h=12 m=46
